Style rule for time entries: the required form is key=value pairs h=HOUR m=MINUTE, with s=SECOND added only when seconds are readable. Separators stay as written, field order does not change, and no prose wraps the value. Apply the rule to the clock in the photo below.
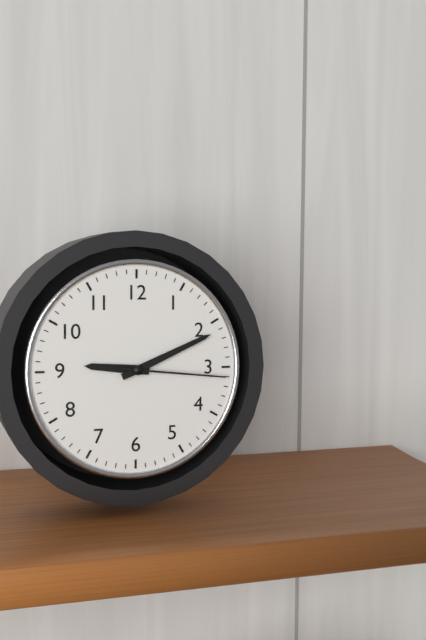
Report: h=9 m=11 s=16
